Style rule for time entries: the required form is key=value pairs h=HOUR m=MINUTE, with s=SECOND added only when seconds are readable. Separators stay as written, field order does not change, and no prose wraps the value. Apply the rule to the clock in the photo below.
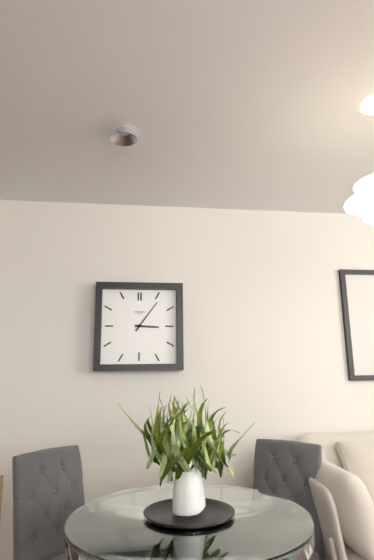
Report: h=3 m=6
